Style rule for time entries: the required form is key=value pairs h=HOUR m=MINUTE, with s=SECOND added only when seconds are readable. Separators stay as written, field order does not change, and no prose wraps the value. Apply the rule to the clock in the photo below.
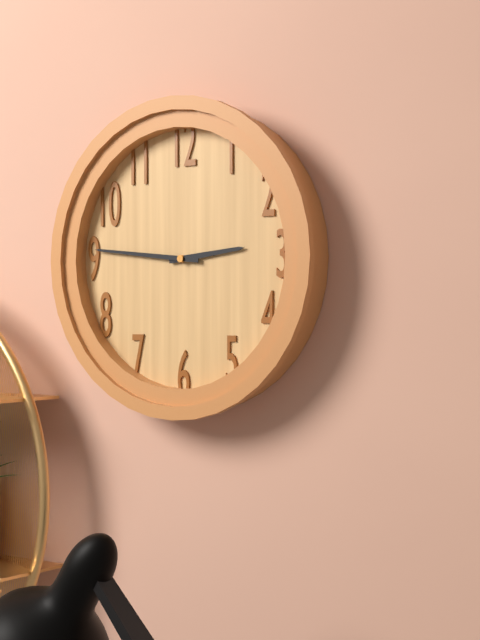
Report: h=2 m=46
